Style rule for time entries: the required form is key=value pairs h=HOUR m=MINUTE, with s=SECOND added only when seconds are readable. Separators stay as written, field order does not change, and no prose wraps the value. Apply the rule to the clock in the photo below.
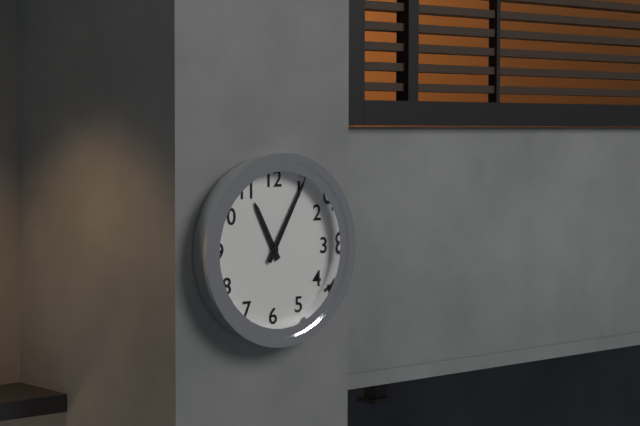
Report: h=11 m=5
